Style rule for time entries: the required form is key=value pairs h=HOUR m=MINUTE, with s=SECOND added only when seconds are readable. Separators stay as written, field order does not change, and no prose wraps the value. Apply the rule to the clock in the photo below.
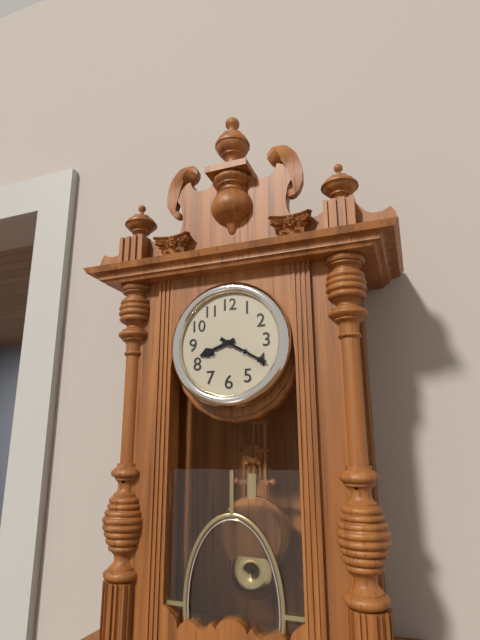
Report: h=8 m=20
